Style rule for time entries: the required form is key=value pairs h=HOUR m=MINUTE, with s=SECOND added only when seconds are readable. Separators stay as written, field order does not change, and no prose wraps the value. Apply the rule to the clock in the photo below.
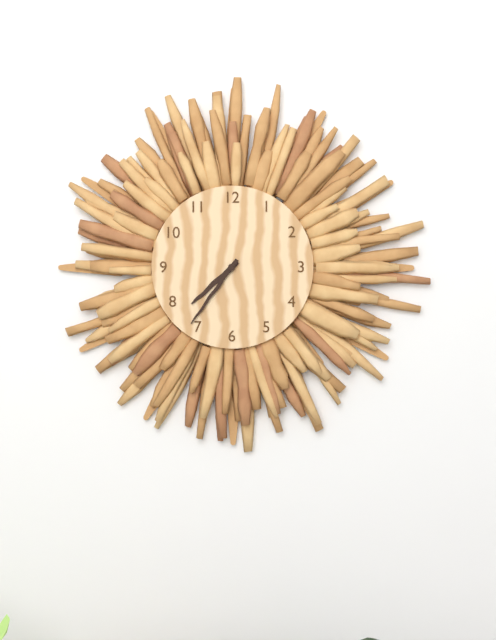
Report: h=7 m=36
